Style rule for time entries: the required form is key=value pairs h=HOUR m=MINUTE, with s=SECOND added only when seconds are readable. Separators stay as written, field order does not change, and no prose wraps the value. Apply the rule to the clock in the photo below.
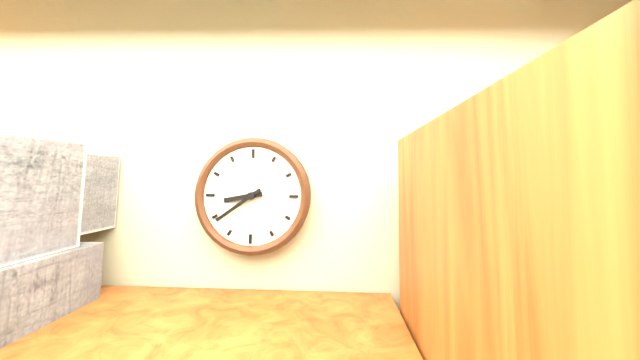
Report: h=8 m=39
